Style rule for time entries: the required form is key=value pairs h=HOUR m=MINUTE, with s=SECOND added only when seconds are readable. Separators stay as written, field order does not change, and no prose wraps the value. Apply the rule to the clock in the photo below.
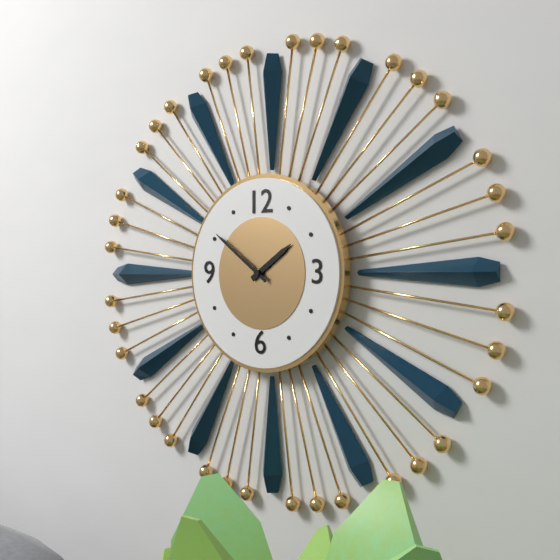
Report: h=1 m=51
